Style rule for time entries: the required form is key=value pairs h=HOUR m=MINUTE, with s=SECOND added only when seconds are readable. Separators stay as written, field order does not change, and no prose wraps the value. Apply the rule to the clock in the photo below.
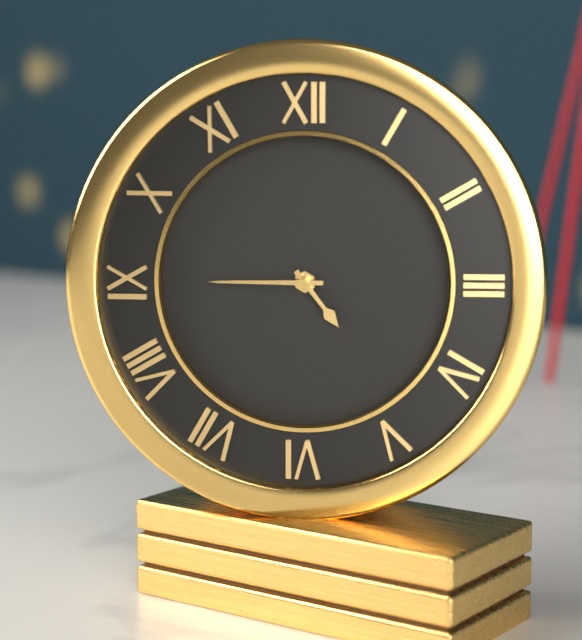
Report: h=4 m=45
